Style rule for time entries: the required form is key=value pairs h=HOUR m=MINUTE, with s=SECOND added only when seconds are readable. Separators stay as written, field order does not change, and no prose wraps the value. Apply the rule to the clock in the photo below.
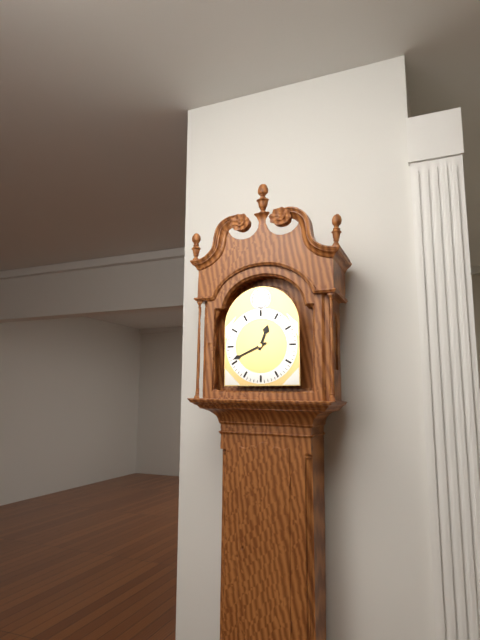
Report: h=12 m=41
